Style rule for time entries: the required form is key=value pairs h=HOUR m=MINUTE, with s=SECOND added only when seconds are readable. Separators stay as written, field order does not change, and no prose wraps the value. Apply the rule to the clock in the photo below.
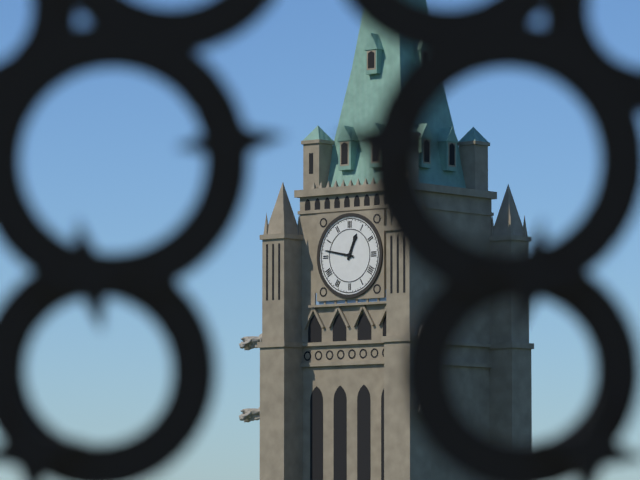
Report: h=12 m=47
